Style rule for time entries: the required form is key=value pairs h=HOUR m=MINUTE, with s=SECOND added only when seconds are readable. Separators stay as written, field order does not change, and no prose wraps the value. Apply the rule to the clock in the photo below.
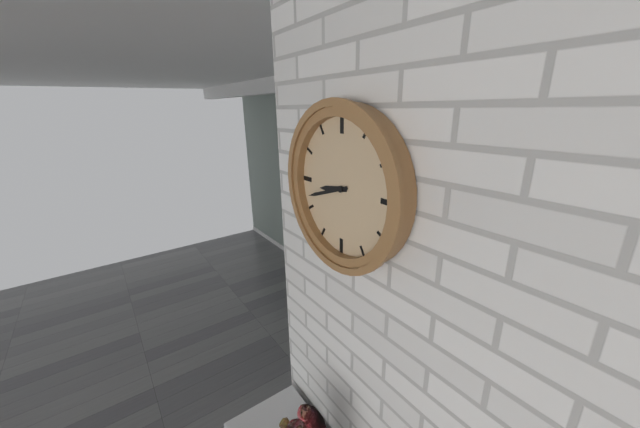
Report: h=8 m=42
